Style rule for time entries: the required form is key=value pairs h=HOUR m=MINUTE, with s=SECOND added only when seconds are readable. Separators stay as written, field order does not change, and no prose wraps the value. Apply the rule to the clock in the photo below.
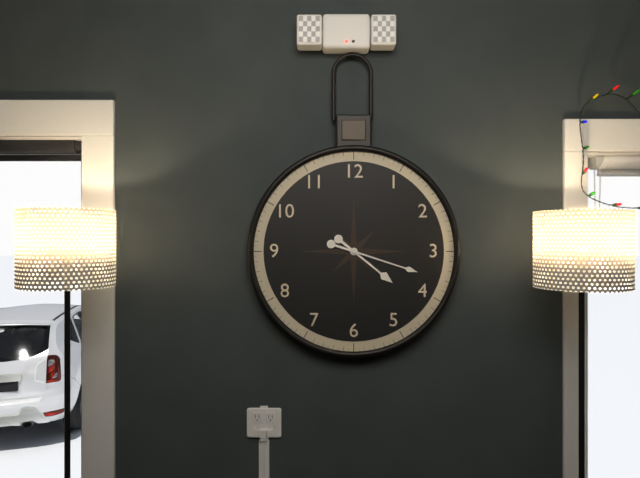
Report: h=4 m=18
